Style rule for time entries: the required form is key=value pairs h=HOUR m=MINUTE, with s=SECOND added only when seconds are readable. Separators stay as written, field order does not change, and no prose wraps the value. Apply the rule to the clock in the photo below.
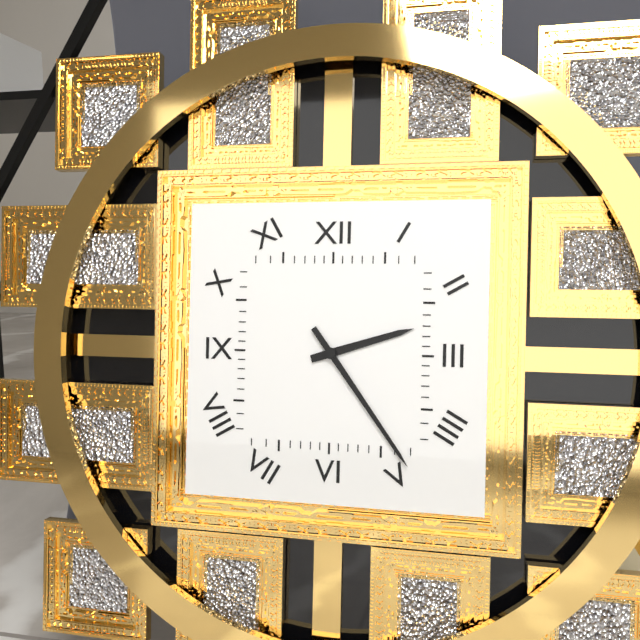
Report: h=2 m=24
